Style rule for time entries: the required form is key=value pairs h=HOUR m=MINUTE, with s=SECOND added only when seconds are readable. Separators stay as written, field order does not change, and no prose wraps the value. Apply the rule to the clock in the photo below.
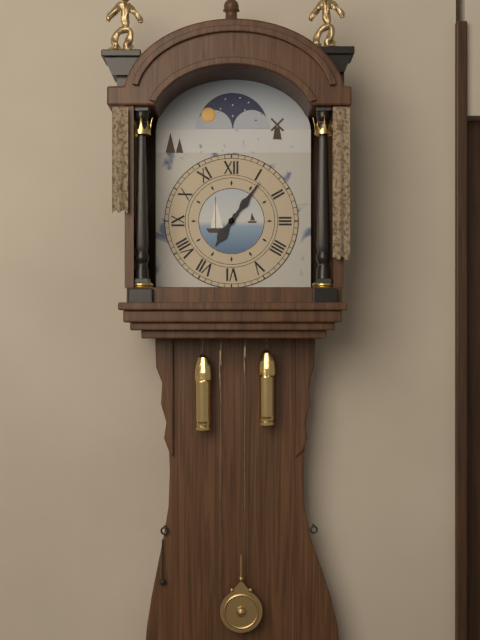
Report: h=7 m=6
